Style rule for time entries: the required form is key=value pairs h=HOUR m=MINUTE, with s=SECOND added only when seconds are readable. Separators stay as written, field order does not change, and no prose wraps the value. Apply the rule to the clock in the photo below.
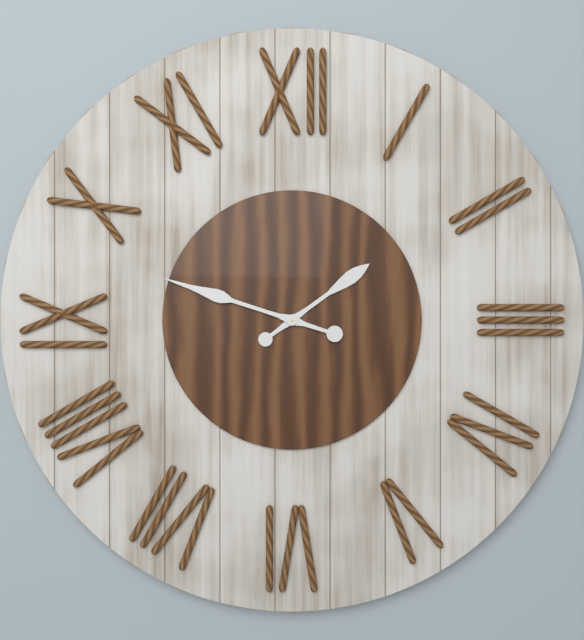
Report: h=1 m=48
